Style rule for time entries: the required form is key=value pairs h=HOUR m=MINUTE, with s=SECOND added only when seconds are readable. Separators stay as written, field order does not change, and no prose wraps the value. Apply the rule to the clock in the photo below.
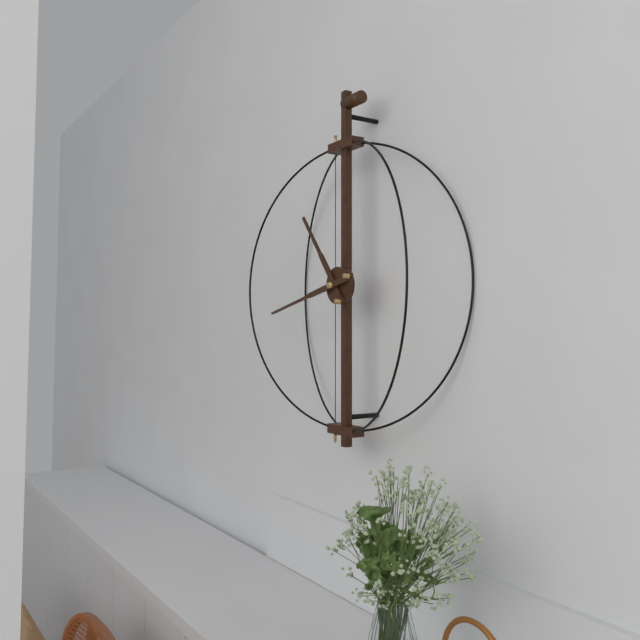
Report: h=10 m=43
